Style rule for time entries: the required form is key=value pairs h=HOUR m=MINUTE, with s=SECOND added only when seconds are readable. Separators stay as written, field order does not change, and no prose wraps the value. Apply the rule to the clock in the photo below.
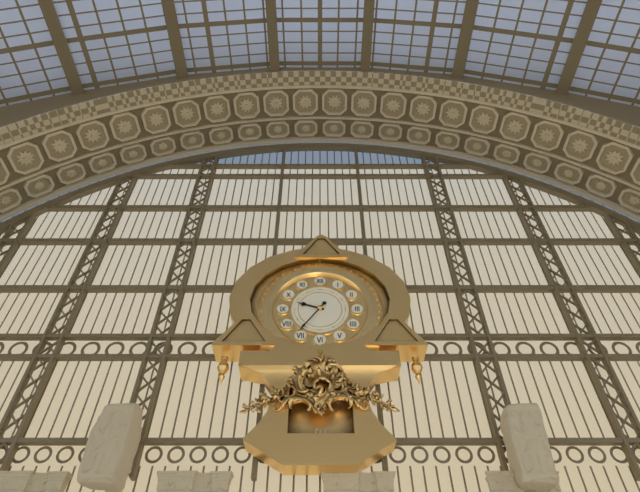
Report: h=9 m=36
